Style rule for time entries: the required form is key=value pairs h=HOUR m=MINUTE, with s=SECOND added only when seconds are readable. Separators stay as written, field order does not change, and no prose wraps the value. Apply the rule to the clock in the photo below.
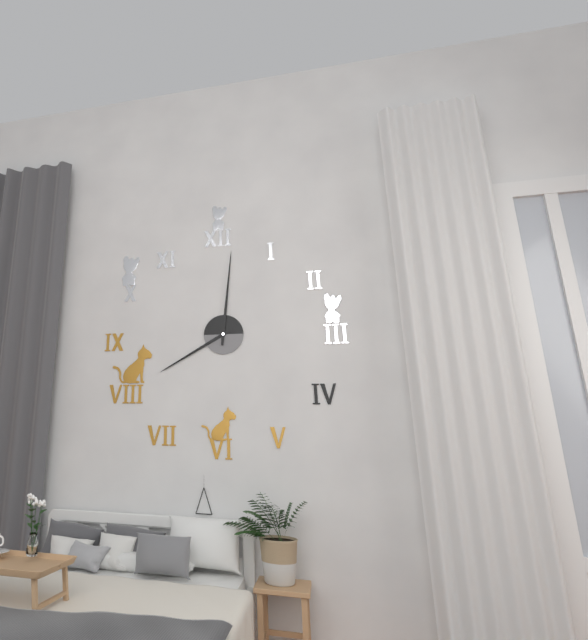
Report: h=8 m=1
